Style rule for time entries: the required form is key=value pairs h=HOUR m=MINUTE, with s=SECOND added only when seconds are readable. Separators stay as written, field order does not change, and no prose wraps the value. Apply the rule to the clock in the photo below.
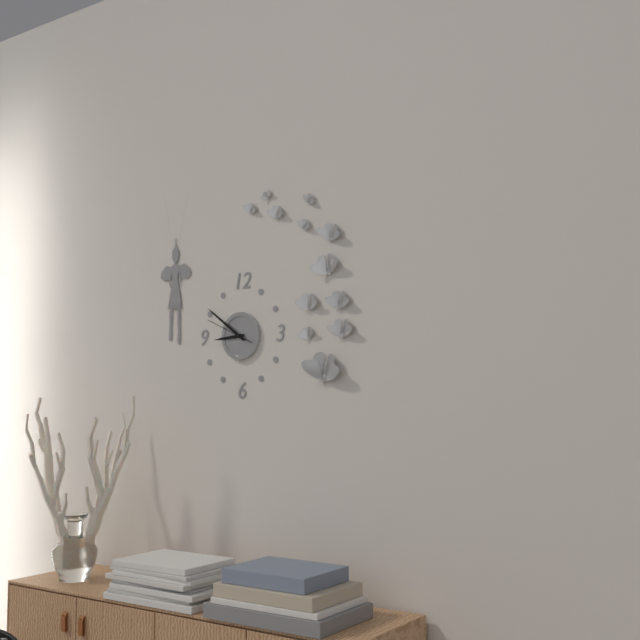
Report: h=8 m=51
